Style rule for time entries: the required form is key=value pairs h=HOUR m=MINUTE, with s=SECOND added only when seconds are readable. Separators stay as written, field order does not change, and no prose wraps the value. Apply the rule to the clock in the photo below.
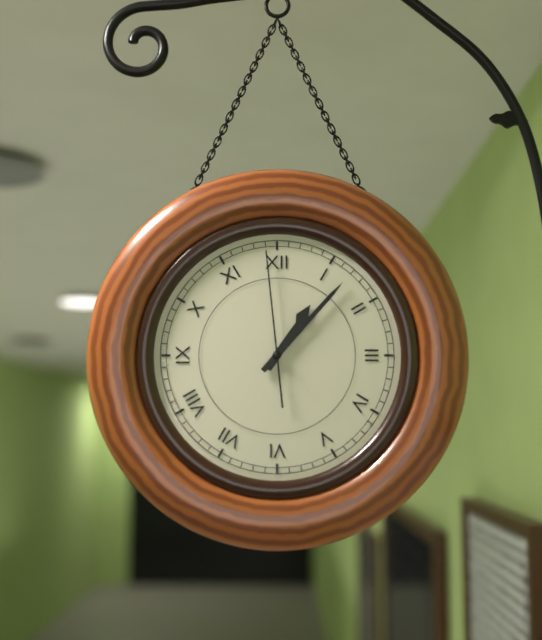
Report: h=1 m=7 s=59
